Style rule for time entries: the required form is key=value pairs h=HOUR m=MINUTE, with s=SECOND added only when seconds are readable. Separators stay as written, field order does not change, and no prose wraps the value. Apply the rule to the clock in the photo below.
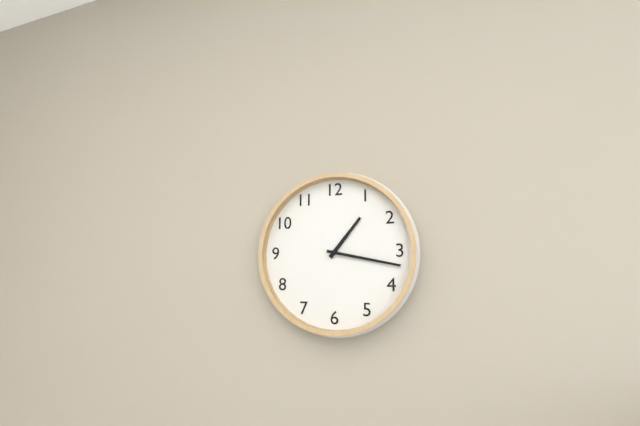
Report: h=1 m=17
